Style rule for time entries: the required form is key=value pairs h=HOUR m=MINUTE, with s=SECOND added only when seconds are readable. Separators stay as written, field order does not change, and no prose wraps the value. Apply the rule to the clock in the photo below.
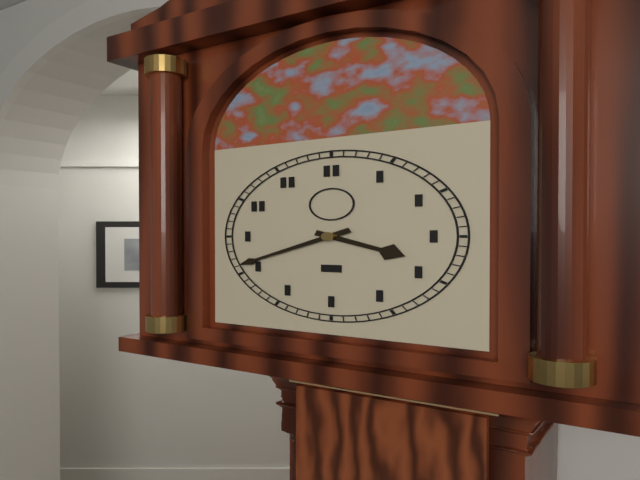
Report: h=3 m=41
